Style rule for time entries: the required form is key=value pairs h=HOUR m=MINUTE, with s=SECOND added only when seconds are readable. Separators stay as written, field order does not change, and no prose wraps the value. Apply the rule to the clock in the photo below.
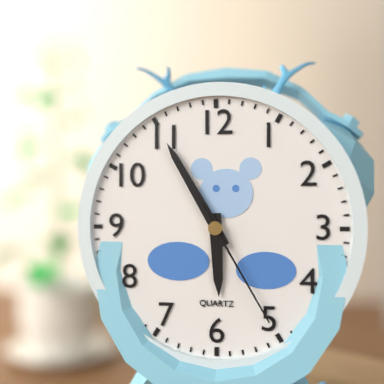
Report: h=5 m=55 s=25
